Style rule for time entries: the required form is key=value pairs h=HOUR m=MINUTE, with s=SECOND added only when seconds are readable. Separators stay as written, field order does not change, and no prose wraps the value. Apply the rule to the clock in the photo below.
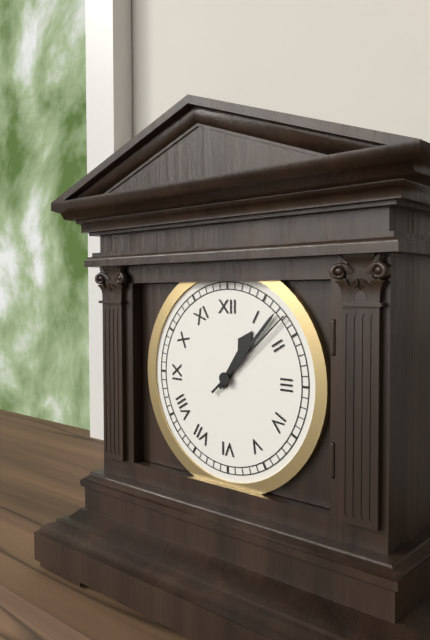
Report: h=1 m=7 s=8
